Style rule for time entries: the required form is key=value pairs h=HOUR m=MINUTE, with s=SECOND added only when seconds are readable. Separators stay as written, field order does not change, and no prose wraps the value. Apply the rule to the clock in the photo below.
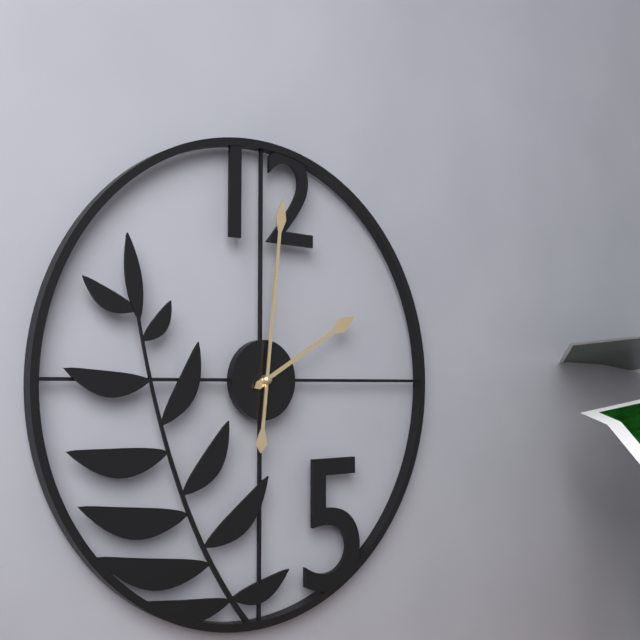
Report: h=2 m=1
